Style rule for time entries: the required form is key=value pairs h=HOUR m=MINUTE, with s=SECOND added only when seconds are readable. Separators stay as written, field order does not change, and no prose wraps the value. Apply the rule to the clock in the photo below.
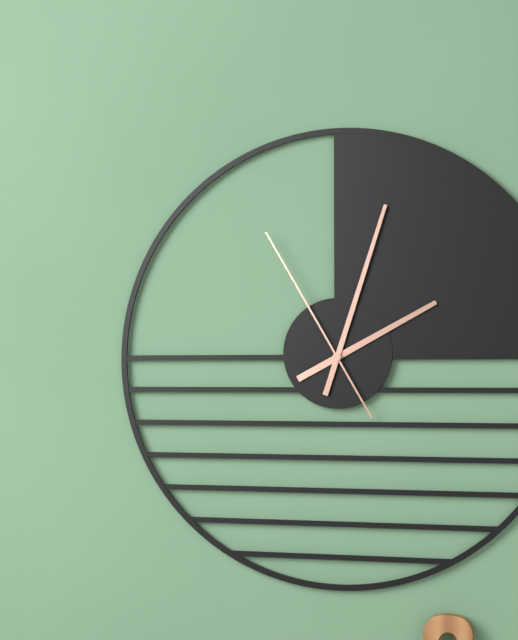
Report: h=2 m=3 s=55
